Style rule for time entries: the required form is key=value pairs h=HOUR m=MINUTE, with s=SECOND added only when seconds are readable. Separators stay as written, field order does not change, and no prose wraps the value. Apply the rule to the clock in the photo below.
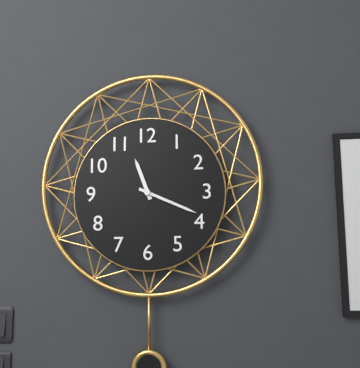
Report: h=11 m=19
